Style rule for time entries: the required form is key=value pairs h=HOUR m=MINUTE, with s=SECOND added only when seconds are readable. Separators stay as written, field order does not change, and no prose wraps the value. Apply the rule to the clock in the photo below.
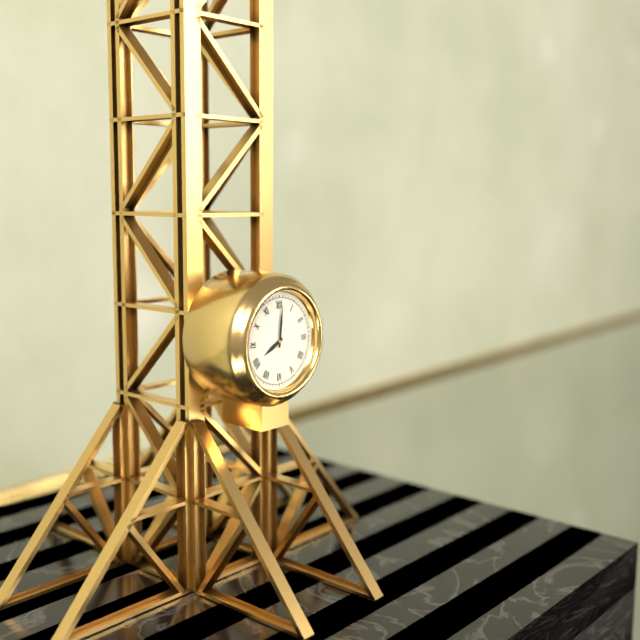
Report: h=8 m=1
